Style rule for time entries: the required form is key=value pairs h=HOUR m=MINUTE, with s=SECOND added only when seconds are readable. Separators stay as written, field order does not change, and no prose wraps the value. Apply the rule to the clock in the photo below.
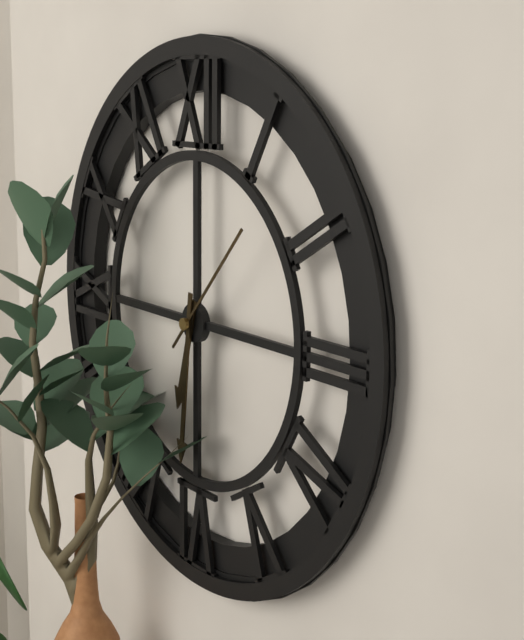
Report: h=6 m=31 s=7
